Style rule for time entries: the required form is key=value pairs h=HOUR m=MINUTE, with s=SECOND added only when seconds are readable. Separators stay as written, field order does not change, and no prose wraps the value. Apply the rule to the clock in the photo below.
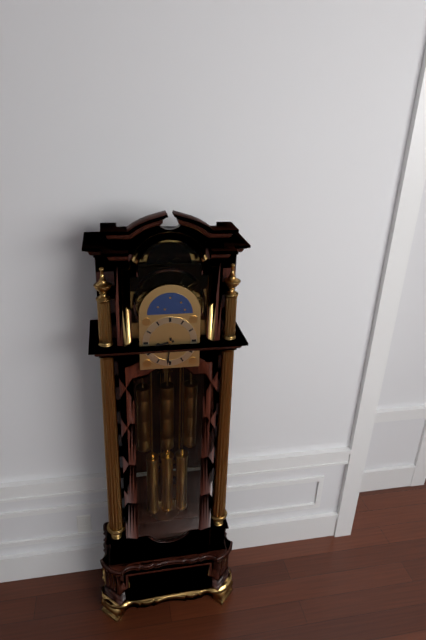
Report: h=8 m=31
